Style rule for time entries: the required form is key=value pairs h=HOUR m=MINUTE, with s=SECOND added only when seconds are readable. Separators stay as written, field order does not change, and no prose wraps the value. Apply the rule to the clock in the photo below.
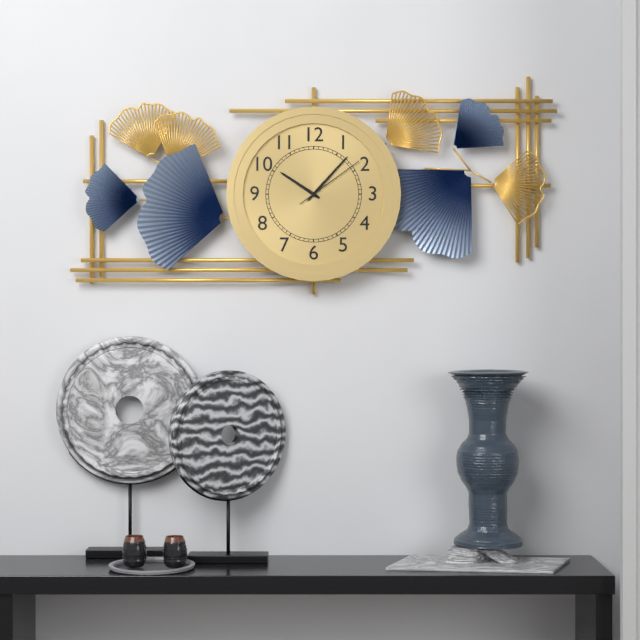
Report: h=10 m=7 s=9
